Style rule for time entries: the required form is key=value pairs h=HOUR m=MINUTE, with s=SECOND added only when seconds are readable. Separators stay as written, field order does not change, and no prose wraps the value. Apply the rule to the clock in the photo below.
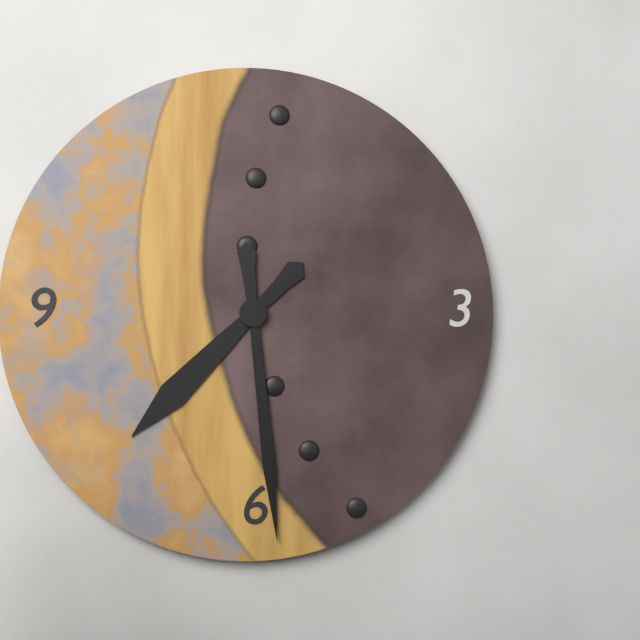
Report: h=7 m=29
